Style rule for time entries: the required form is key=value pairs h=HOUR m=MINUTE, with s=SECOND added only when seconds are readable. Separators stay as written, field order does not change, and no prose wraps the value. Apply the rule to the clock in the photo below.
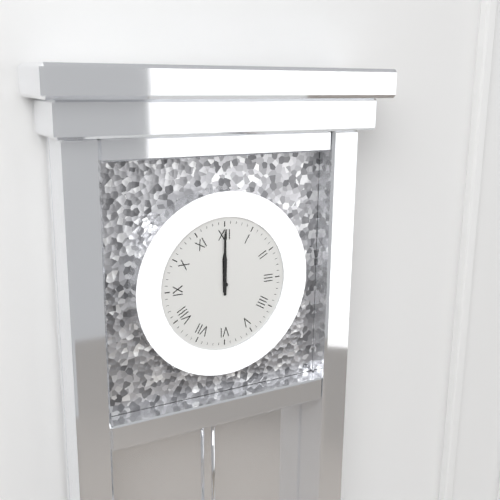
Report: h=12 m=0
